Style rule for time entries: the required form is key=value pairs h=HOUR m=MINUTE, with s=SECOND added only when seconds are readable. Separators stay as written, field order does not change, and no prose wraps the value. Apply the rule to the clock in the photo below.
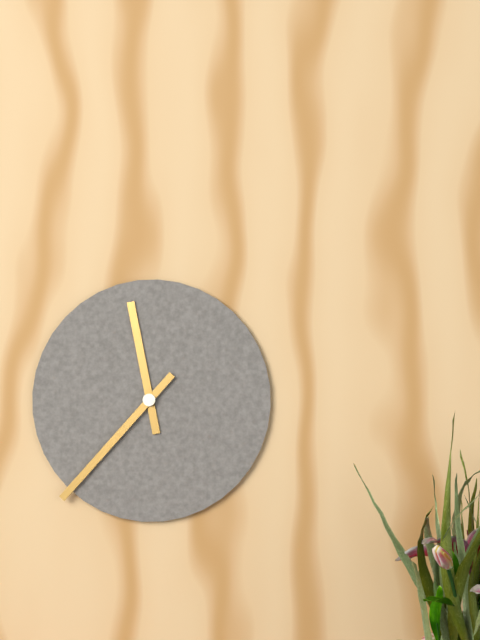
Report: h=11 m=37
